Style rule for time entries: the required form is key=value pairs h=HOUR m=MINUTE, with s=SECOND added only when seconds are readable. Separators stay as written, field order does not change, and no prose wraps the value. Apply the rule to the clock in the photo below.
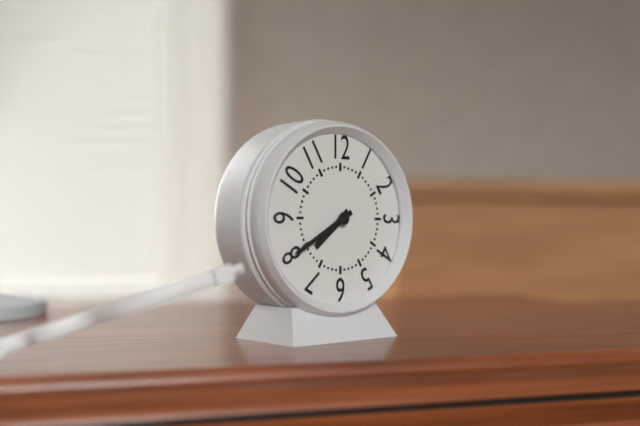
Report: h=7 m=40
